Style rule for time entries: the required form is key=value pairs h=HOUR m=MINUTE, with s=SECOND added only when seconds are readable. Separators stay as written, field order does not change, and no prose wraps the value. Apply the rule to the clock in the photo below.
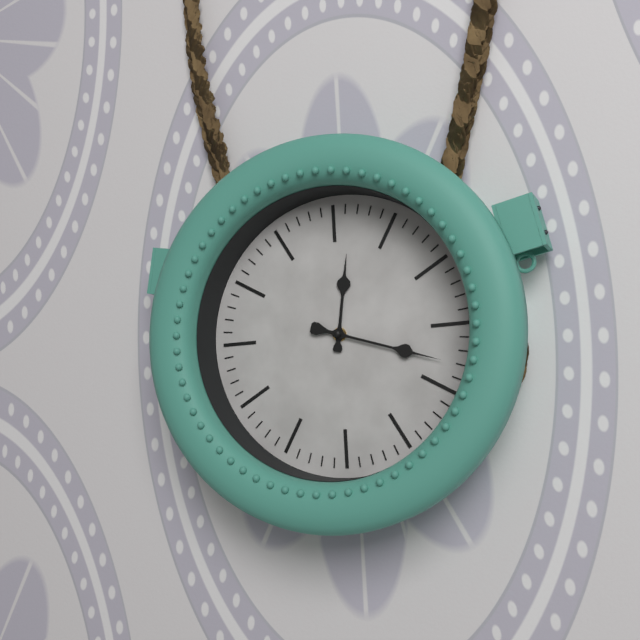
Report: h=12 m=18
